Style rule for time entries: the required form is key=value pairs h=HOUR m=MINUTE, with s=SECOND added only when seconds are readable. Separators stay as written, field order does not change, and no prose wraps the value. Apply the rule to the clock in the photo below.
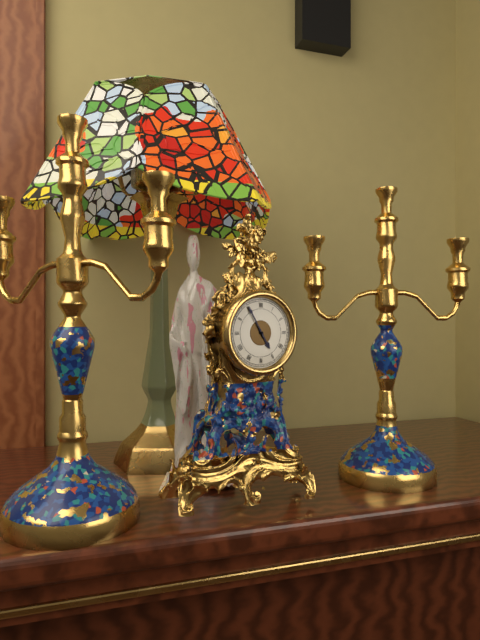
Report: h=4 m=55
